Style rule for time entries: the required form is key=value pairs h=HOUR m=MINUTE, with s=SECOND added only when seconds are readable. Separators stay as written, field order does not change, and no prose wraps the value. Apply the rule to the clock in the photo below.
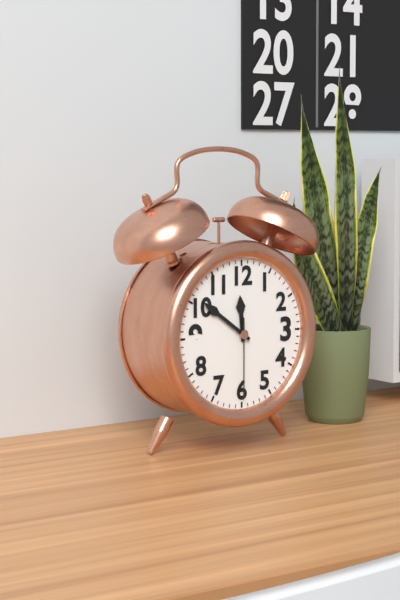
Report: h=11 m=51 s=30
